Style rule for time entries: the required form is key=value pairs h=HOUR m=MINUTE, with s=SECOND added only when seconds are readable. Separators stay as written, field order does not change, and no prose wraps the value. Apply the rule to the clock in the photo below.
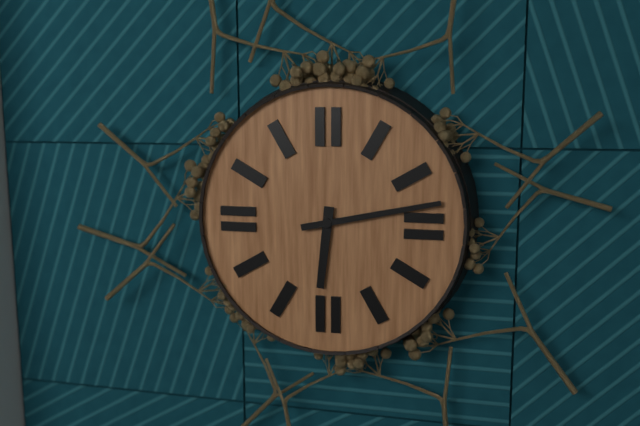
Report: h=6 m=13
